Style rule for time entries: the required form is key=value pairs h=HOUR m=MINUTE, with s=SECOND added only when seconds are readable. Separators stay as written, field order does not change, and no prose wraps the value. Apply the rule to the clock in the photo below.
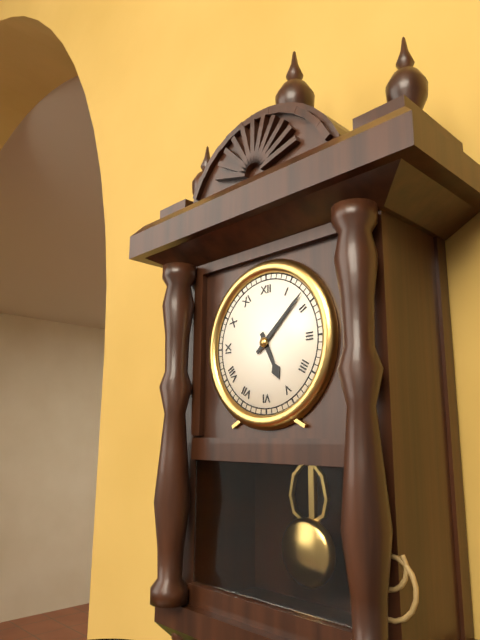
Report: h=5 m=8
